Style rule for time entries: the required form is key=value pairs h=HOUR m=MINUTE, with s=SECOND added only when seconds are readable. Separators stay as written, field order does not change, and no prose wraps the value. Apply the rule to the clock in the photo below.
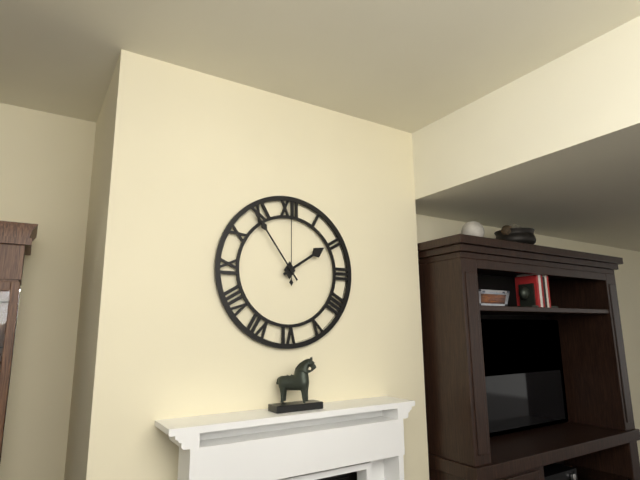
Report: h=1 m=54 s=0
